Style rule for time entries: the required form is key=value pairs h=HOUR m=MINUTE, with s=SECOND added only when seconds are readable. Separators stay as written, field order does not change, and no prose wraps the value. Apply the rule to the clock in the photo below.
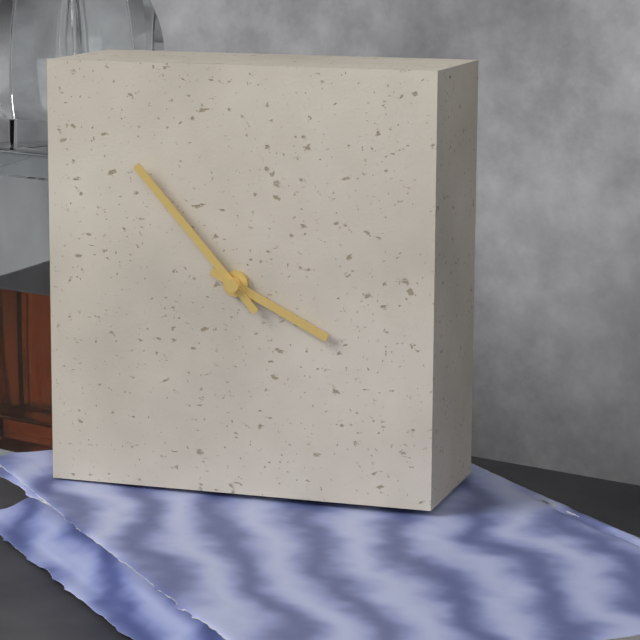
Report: h=3 m=53
